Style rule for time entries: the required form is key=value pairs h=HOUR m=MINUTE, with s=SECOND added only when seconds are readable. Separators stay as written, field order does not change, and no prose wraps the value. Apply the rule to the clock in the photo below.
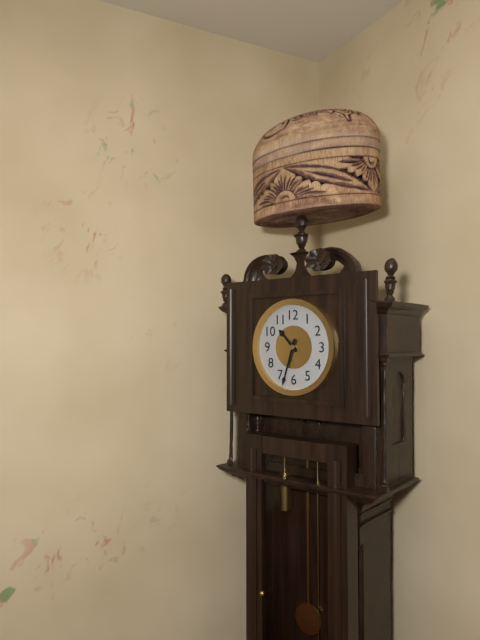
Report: h=10 m=33
